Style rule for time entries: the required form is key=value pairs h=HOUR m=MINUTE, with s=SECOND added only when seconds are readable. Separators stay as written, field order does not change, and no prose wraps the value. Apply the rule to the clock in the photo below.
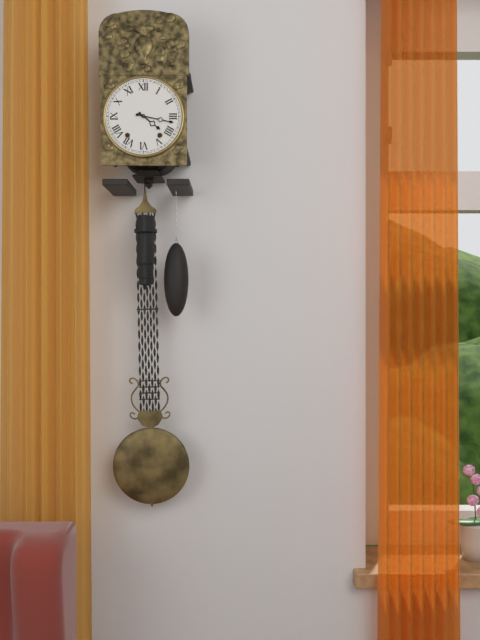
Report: h=4 m=17
